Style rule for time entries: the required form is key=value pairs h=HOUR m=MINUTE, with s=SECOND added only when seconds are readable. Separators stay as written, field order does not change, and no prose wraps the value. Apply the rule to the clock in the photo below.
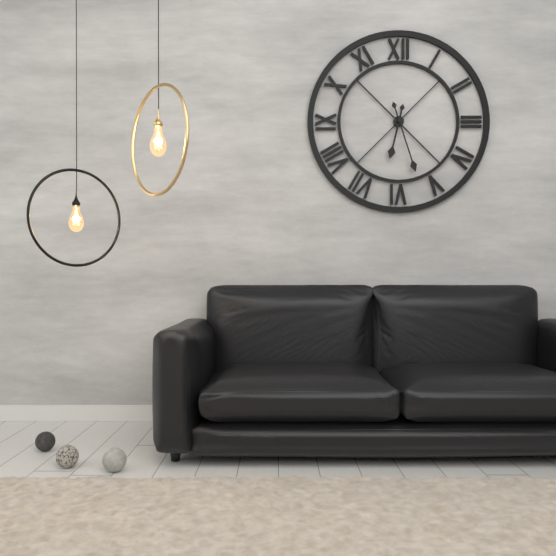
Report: h=6 m=27
